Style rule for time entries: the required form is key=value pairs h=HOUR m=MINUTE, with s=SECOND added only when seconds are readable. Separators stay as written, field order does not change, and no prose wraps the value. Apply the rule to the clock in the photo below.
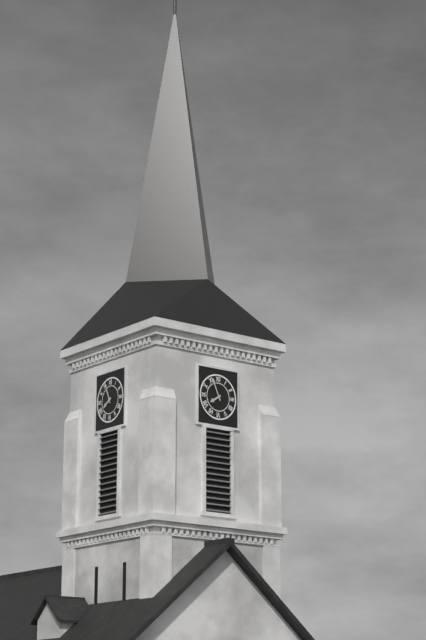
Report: h=7 m=56
